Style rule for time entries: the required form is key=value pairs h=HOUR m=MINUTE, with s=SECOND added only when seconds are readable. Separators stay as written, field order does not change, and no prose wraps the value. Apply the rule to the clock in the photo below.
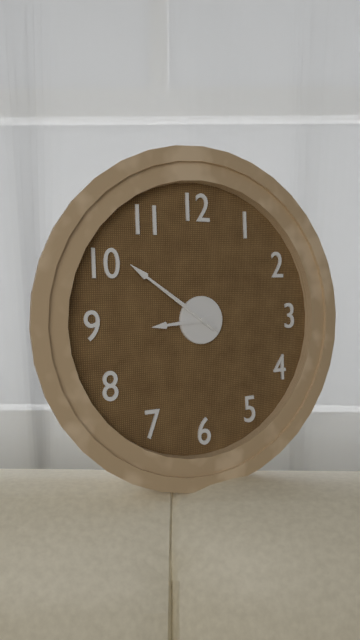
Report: h=8 m=51 s=51
